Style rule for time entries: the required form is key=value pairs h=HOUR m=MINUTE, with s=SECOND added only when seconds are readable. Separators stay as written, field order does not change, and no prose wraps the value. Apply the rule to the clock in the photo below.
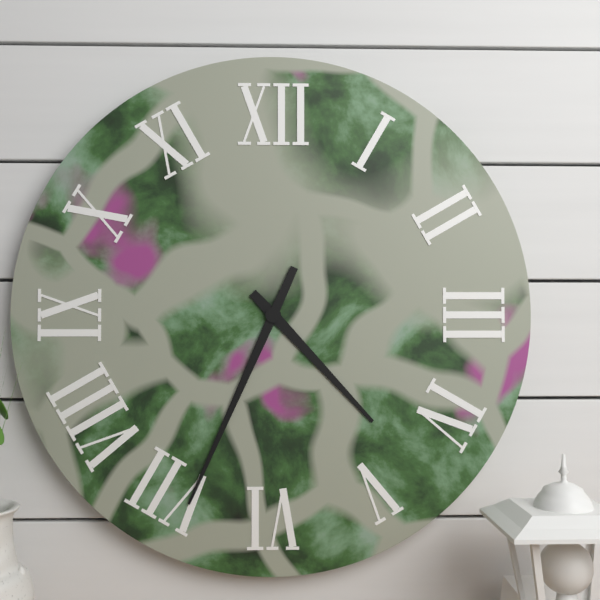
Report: h=4 m=34
